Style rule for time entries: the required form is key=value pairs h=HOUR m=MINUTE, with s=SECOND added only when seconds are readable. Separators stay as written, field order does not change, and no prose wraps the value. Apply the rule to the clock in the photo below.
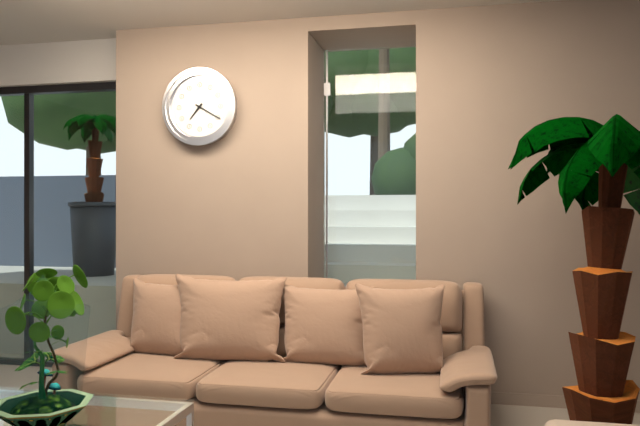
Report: h=7 m=20
